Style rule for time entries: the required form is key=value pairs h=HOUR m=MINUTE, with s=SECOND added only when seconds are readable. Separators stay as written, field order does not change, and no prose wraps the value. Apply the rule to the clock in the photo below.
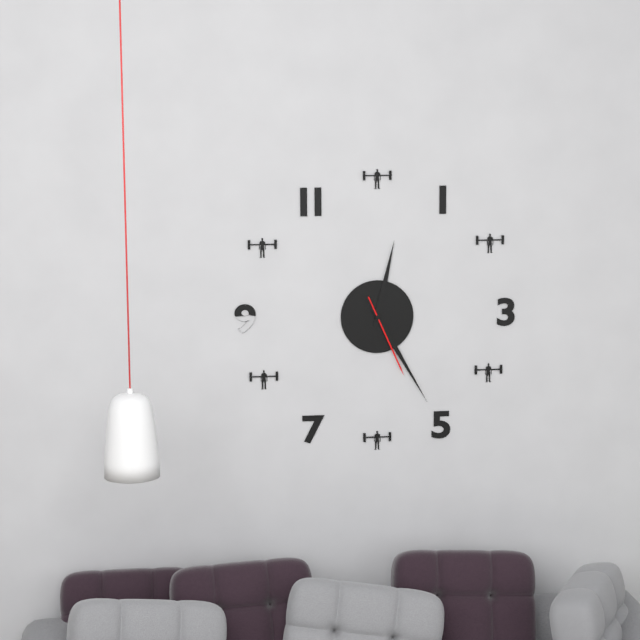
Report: h=12 m=25 s=26
